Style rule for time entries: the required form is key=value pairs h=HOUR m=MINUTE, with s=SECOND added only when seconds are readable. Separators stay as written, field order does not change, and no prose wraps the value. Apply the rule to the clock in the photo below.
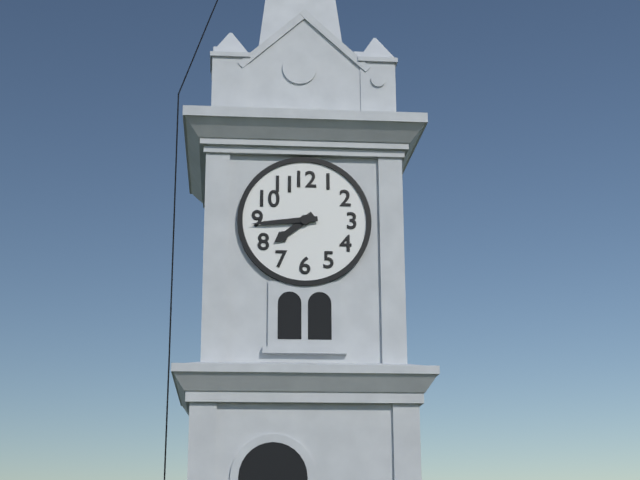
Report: h=7 m=44
